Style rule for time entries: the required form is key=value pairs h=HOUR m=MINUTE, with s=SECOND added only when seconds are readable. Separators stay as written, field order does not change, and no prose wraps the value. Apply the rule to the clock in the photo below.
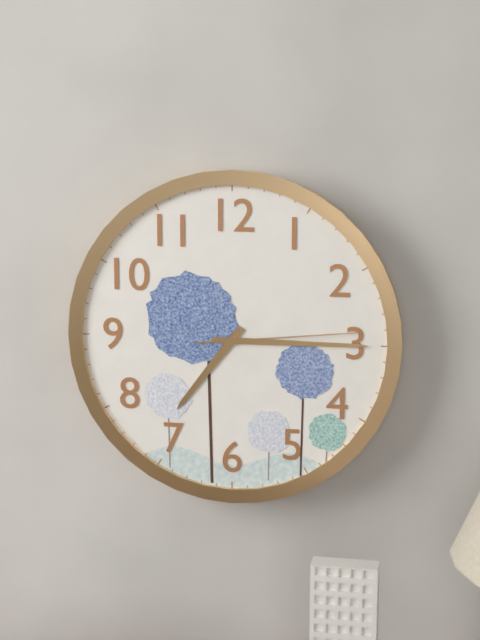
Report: h=7 m=15 s=14
